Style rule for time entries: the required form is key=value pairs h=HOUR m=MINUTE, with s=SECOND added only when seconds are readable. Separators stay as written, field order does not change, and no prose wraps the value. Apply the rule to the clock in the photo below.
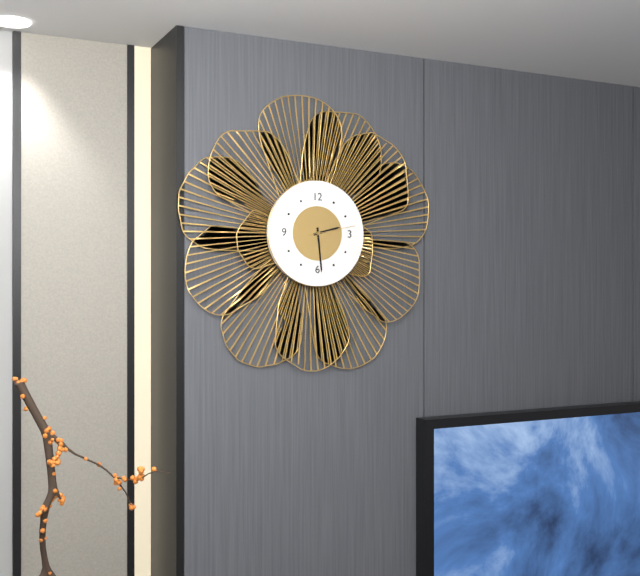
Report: h=2 m=29
